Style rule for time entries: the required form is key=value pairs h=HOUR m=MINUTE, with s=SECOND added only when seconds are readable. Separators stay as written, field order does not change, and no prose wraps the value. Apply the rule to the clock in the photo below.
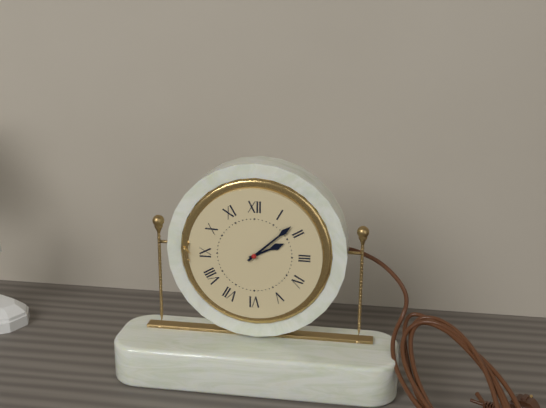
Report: h=2 m=8
